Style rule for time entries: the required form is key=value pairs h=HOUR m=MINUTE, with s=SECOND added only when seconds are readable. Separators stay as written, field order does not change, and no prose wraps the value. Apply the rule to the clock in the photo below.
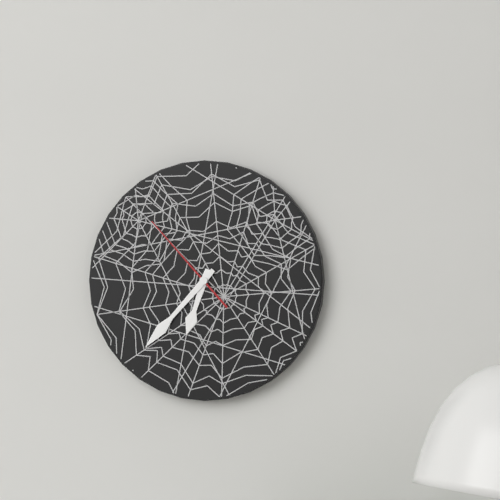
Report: h=6 m=37 s=53
